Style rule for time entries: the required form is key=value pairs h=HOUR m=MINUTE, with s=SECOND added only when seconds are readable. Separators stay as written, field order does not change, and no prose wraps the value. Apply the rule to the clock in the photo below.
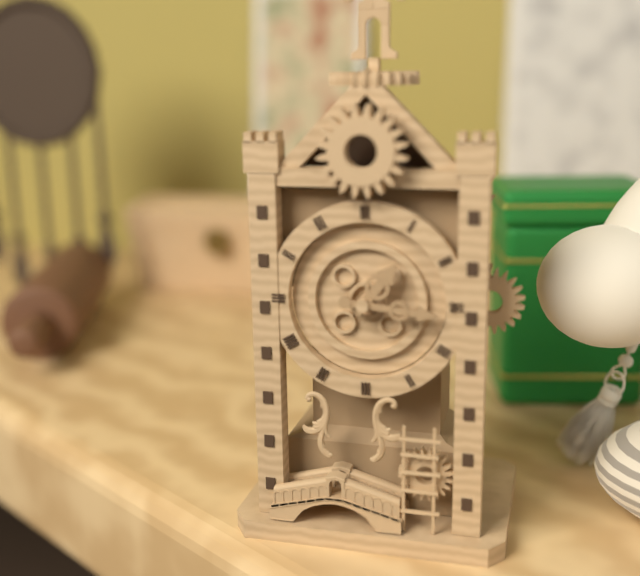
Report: h=1 m=16
